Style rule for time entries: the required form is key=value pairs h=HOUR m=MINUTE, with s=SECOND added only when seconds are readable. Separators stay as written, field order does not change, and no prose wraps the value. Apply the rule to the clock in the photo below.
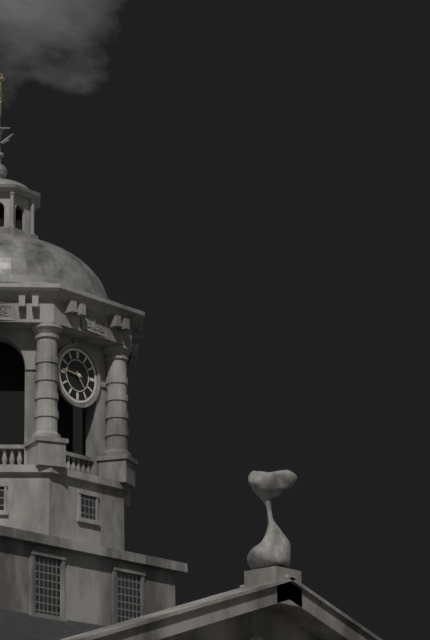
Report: h=4 m=46
